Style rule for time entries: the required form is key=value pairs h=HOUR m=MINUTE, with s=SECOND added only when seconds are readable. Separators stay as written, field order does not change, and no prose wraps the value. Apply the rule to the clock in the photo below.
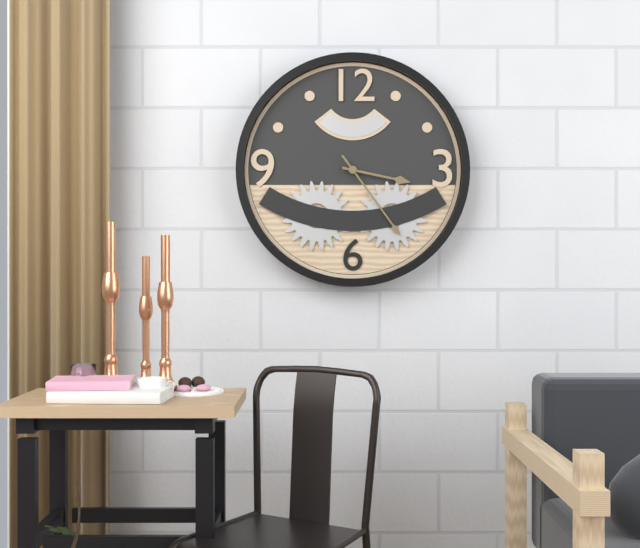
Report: h=3 m=24
